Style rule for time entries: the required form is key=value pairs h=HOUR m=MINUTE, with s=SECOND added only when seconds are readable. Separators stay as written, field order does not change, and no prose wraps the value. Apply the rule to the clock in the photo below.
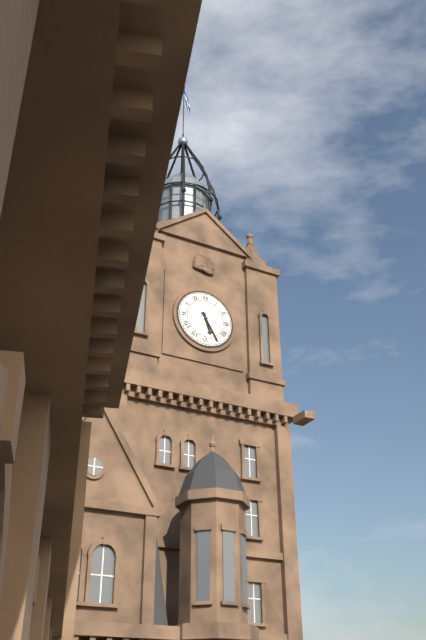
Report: h=5 m=25
